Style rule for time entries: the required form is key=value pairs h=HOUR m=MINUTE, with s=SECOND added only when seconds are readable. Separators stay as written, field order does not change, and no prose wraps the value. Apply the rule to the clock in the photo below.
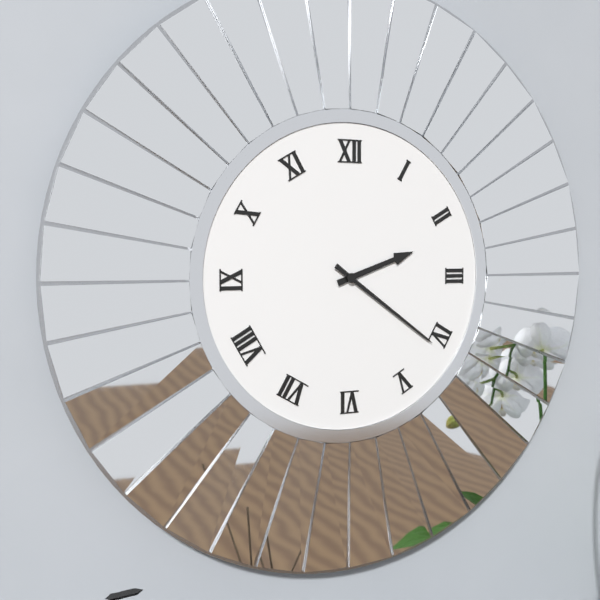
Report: h=2 m=21
